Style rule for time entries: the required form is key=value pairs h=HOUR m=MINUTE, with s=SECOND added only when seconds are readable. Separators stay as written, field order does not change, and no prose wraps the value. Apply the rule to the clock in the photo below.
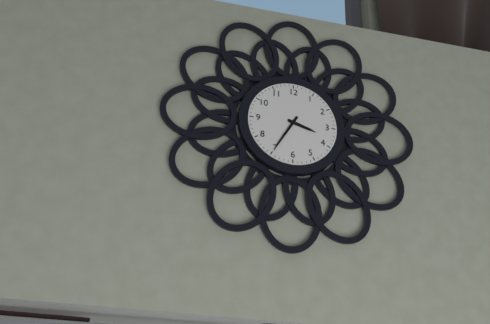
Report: h=3 m=35
